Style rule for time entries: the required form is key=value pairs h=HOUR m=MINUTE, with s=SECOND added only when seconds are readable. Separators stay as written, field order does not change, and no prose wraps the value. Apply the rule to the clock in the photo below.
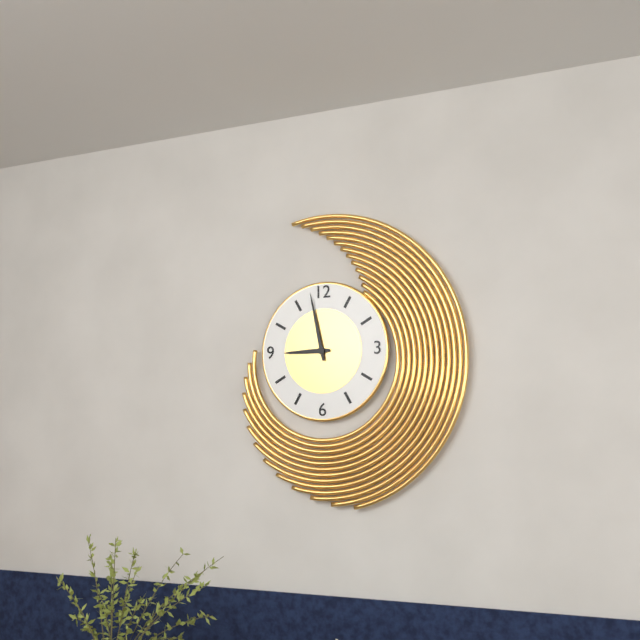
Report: h=8 m=58
